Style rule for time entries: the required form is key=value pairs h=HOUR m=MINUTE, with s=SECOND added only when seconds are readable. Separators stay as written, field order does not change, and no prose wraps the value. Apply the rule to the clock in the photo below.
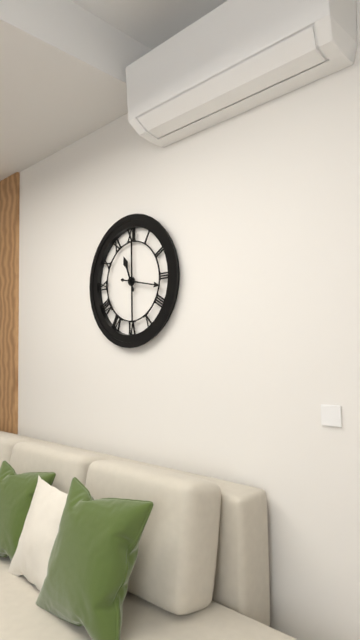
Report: h=11 m=17
